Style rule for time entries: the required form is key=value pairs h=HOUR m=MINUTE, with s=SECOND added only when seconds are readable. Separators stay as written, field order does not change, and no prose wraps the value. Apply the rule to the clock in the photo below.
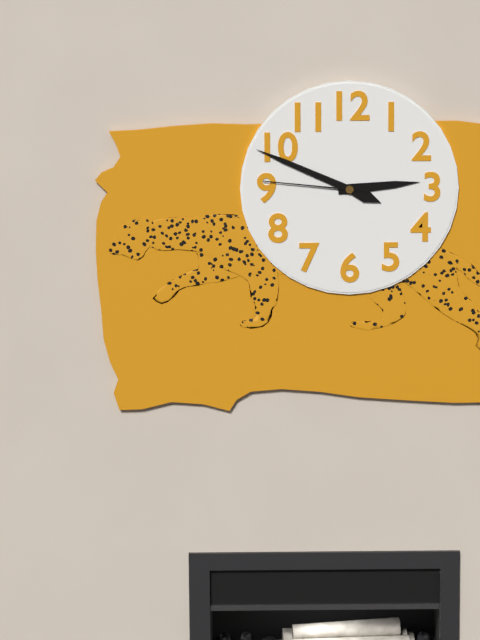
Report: h=2 m=49 s=46
